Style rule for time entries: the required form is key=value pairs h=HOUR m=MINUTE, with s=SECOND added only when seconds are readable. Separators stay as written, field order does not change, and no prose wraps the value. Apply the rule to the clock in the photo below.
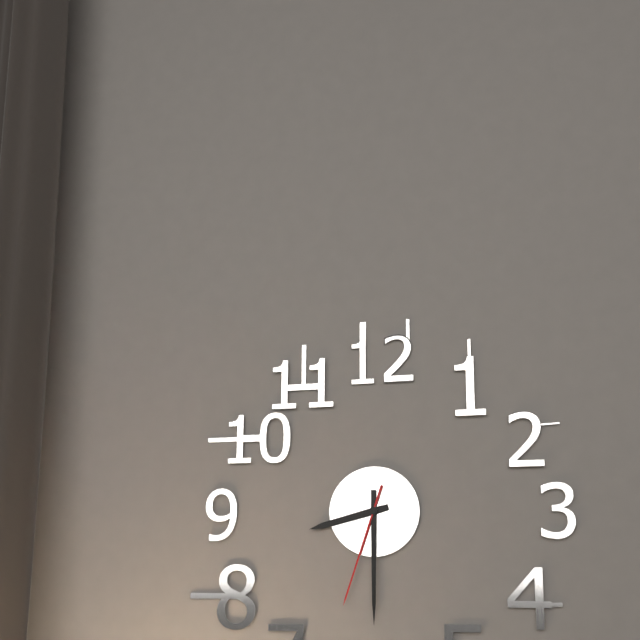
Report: h=8 m=30 s=33
